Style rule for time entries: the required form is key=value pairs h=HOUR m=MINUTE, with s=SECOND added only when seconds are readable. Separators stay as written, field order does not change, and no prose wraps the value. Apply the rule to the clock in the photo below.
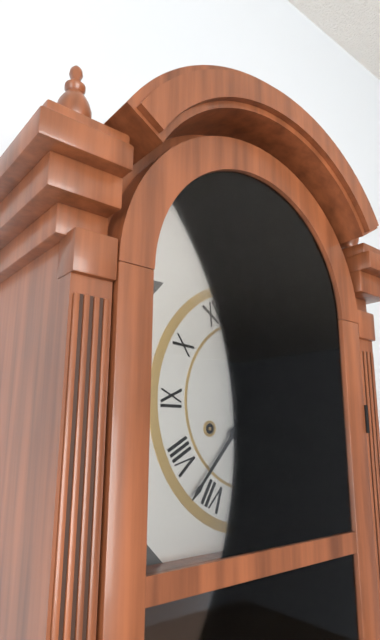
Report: h=1 m=37
